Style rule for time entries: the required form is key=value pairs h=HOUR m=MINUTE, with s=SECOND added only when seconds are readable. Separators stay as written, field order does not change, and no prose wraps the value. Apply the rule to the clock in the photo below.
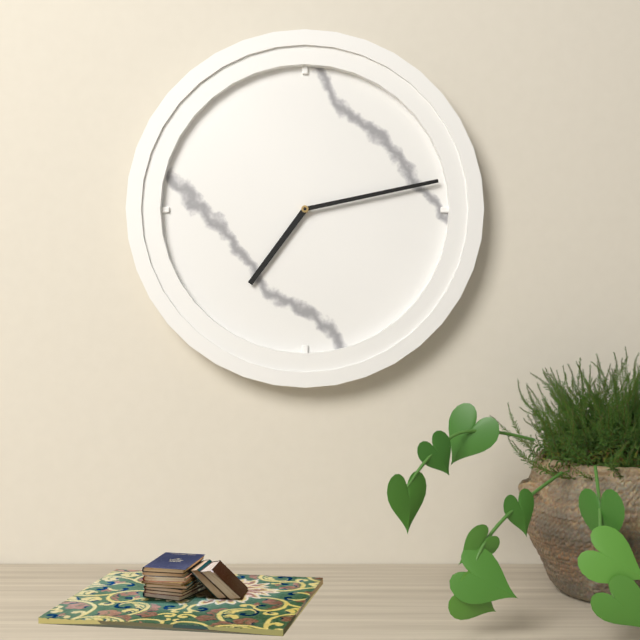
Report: h=7 m=13
